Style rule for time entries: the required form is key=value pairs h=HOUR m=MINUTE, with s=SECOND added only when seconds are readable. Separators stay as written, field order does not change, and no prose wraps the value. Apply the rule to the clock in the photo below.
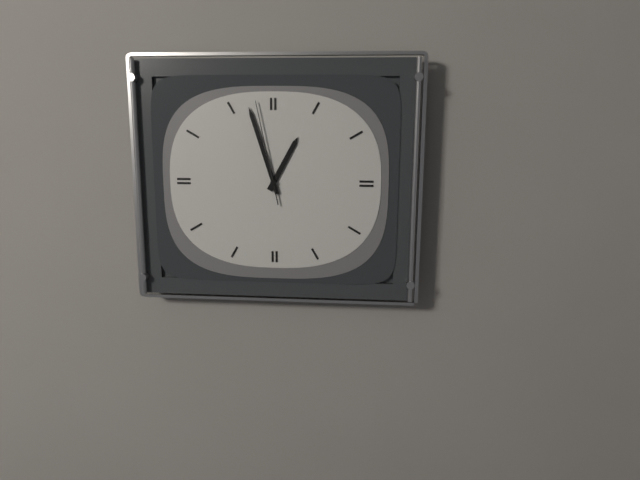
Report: h=12 m=57 s=58
